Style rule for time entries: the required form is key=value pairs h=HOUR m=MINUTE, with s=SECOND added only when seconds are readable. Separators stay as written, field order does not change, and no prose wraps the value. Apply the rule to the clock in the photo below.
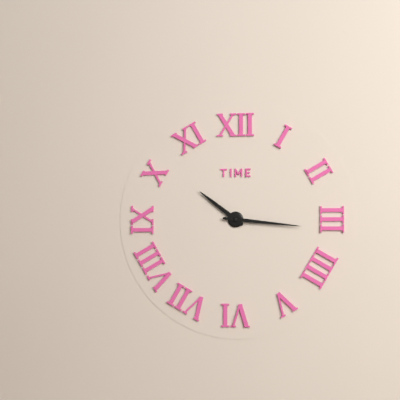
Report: h=10 m=16
